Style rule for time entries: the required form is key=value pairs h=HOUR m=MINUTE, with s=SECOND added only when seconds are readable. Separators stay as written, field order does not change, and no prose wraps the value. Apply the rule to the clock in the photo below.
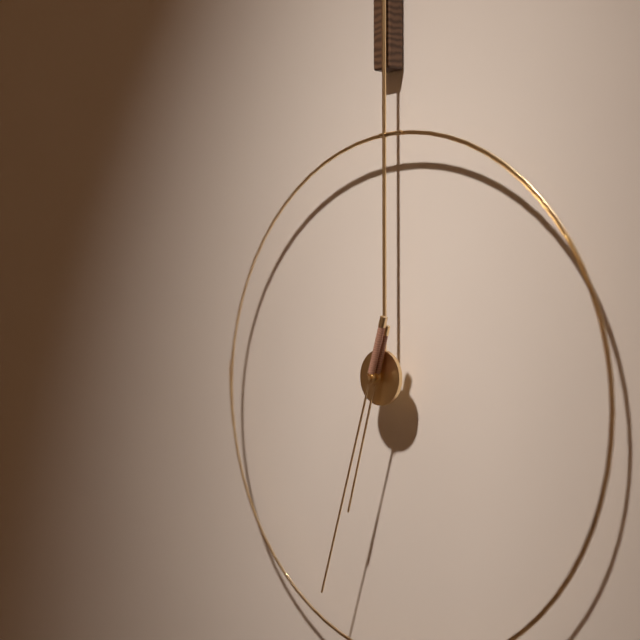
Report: h=6 m=33
